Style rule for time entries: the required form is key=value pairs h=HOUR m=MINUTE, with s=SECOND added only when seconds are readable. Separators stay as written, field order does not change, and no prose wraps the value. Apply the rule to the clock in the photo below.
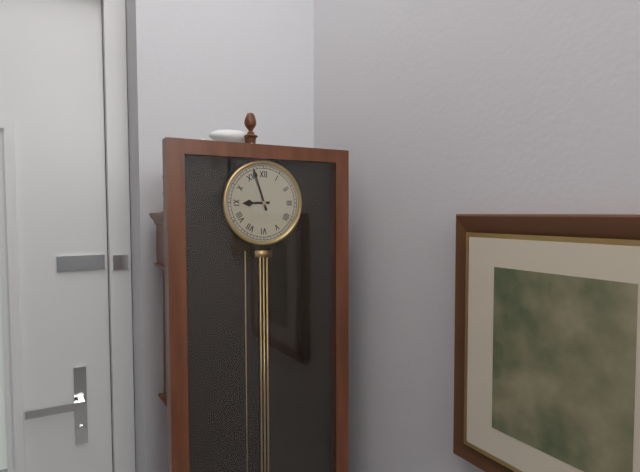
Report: h=8 m=57
